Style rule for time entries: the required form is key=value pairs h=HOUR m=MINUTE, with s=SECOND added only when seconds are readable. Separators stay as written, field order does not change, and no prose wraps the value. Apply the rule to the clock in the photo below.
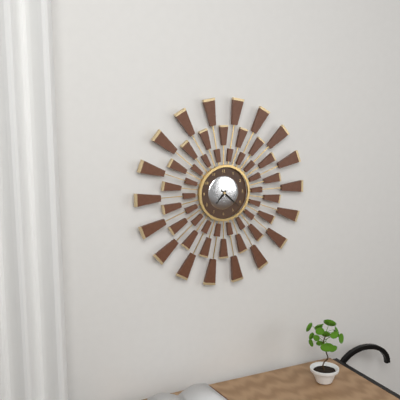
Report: h=7 m=22
